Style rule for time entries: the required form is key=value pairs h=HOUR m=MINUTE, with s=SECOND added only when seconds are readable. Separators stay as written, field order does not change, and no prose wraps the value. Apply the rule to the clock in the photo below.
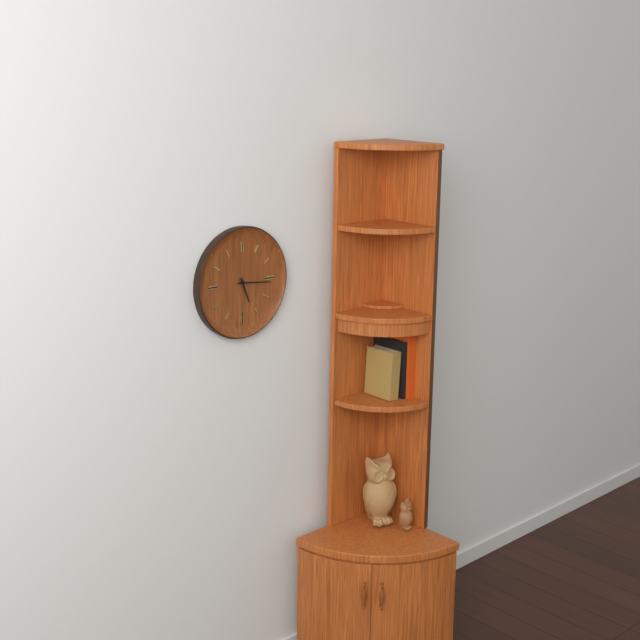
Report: h=5 m=16
